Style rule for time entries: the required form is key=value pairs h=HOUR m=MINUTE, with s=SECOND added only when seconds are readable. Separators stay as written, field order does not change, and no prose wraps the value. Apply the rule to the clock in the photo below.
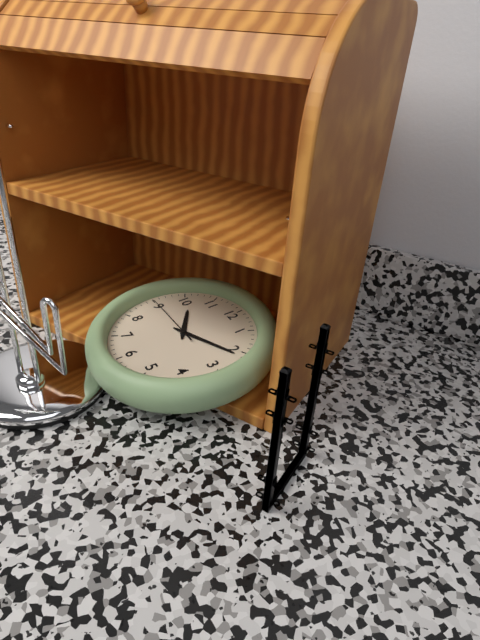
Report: h=10 m=11 s=45
